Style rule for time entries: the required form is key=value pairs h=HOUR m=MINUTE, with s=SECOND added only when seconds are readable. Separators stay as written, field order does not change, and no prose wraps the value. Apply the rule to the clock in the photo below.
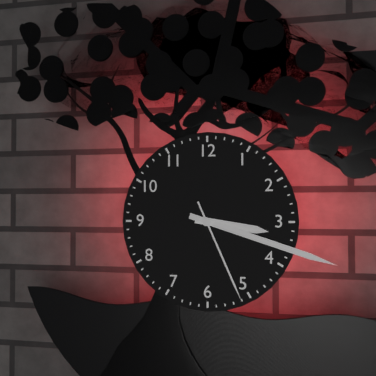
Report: h=3 m=18 s=26
